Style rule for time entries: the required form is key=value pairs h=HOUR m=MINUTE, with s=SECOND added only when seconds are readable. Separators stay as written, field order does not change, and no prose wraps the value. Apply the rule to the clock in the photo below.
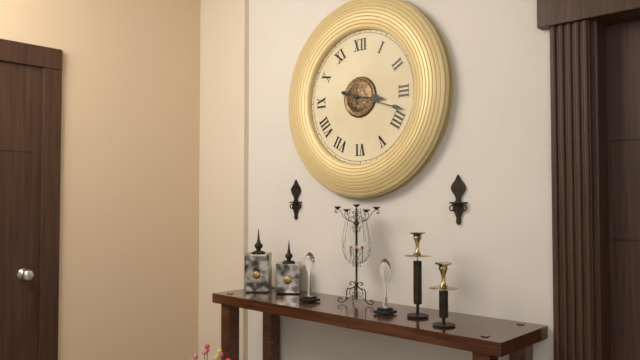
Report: h=3 m=18
